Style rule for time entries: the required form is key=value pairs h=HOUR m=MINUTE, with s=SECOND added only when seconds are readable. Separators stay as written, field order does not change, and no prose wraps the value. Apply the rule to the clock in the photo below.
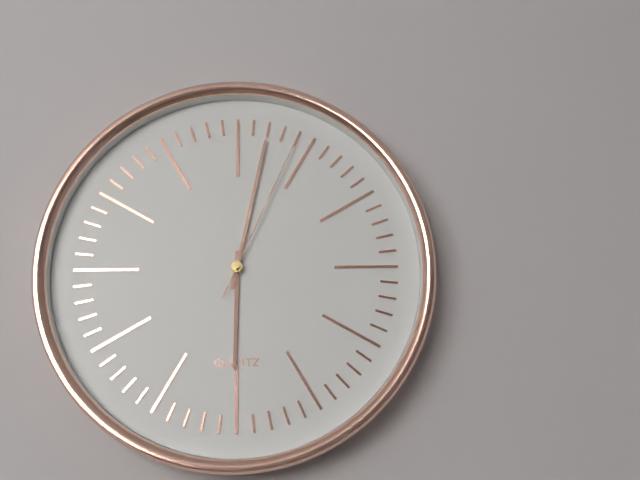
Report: h=6 m=2 s=4
